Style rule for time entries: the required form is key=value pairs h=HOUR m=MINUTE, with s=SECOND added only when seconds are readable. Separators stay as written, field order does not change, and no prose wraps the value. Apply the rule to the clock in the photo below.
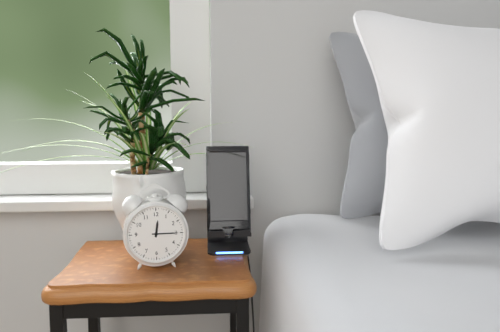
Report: h=12 m=15
